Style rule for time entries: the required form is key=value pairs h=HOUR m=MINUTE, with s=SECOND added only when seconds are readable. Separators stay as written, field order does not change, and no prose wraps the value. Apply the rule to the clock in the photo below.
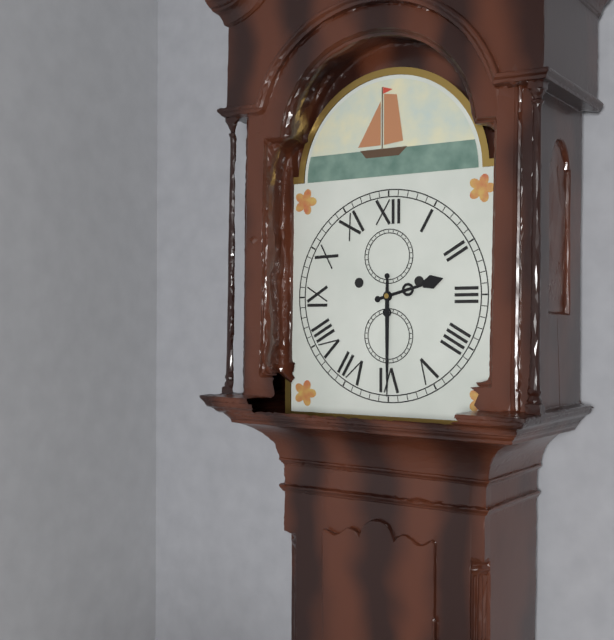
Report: h=2 m=30
